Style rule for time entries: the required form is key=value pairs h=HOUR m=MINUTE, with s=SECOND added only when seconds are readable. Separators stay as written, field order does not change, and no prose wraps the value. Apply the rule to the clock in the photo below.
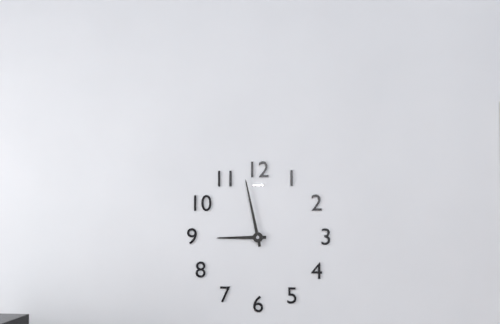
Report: h=8 m=58
